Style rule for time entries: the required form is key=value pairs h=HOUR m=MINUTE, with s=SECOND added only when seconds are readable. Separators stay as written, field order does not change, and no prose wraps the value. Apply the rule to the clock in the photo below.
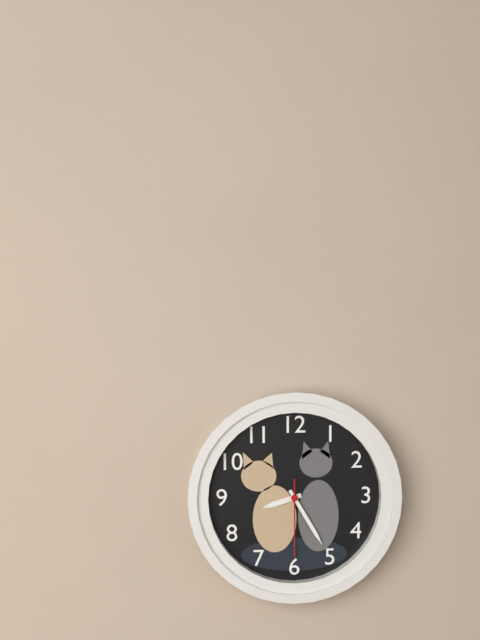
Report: h=8 m=25 s=30
